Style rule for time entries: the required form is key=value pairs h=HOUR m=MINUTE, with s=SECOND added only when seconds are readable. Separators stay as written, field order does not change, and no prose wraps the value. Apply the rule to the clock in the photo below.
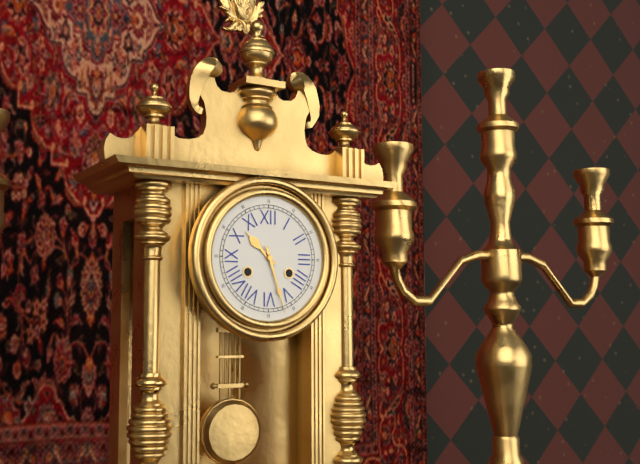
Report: h=10 m=27
